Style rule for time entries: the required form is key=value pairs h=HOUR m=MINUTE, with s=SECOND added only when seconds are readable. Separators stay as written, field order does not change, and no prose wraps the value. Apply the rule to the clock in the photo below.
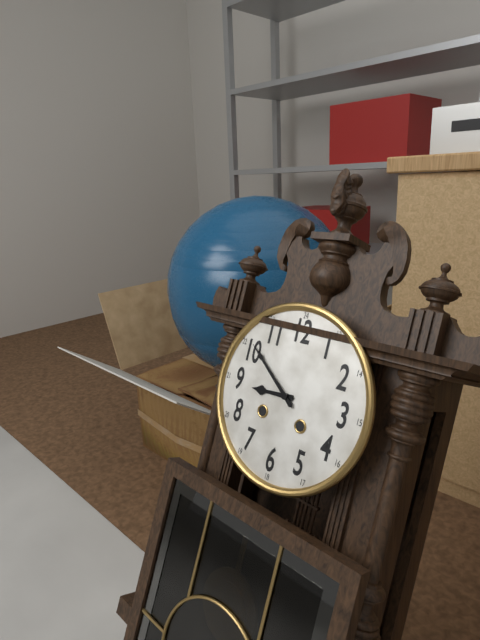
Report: h=8 m=51
